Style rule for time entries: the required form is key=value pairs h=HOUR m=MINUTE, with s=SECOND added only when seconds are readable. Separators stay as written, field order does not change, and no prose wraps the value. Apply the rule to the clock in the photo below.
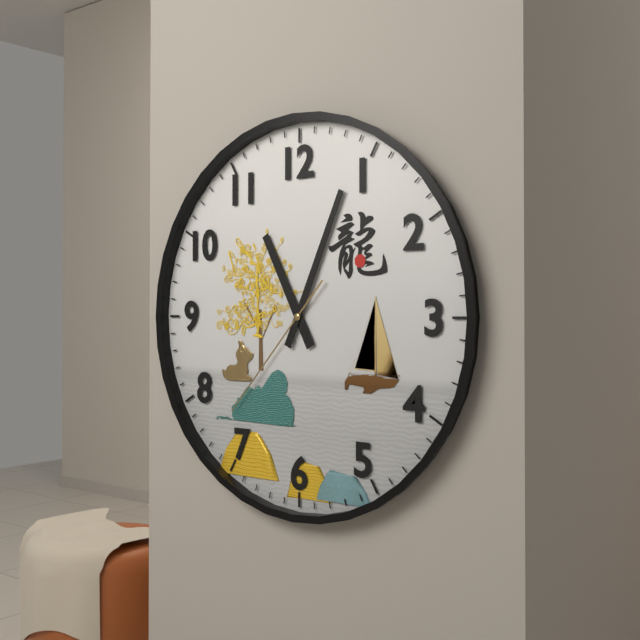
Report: h=11 m=4 s=37
